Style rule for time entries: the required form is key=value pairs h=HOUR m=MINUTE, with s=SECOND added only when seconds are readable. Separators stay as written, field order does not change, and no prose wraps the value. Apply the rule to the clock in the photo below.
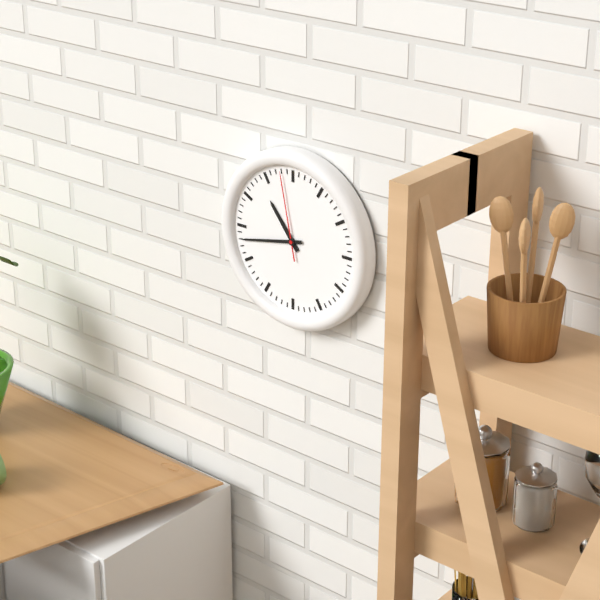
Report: h=10 m=43 s=58
